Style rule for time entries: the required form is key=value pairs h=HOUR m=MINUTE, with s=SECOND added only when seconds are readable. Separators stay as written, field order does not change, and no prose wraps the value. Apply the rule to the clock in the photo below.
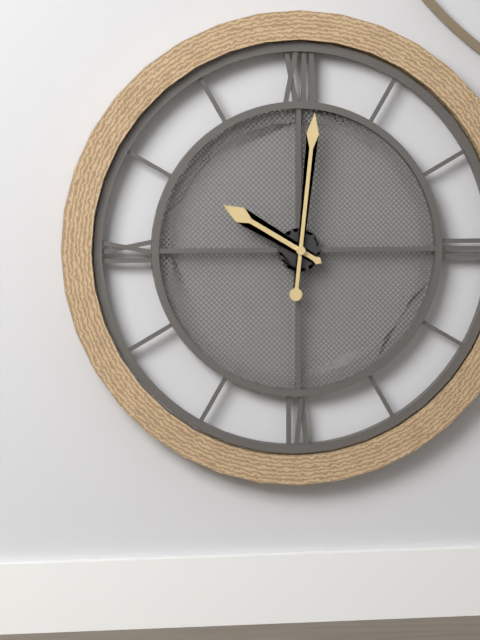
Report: h=10 m=1
